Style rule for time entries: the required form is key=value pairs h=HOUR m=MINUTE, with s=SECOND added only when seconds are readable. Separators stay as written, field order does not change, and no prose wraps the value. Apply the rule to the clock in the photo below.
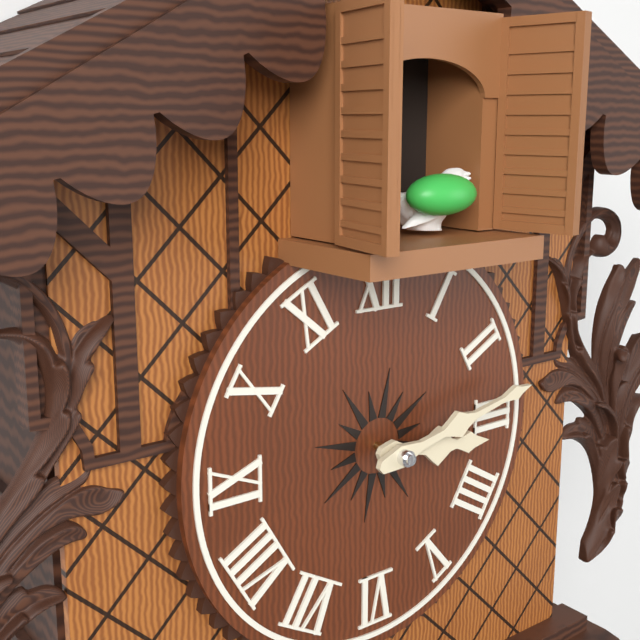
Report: h=3 m=13
